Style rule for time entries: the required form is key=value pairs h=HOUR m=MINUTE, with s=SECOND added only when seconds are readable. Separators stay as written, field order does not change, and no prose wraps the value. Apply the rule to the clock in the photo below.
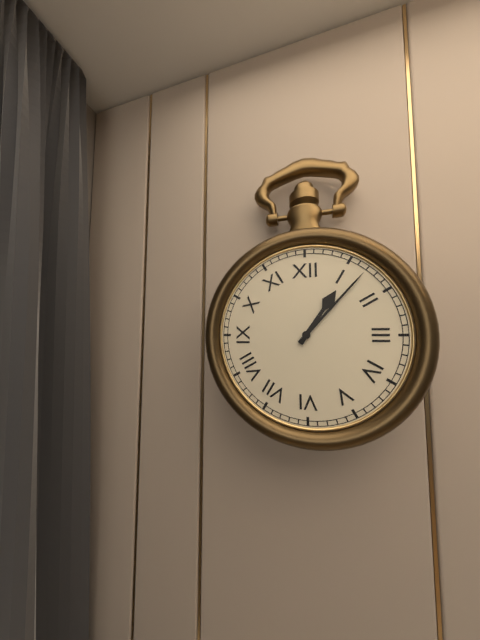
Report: h=1 m=7
